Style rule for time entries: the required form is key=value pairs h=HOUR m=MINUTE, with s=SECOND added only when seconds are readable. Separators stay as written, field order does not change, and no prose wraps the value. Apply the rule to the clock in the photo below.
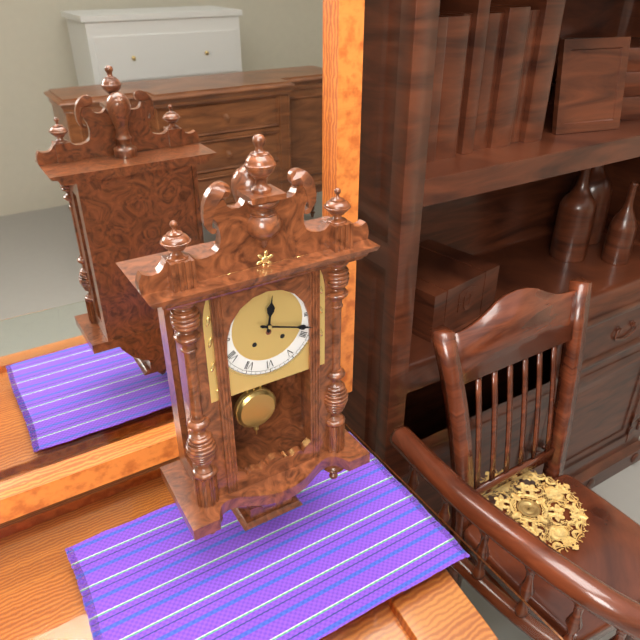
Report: h=12 m=18
